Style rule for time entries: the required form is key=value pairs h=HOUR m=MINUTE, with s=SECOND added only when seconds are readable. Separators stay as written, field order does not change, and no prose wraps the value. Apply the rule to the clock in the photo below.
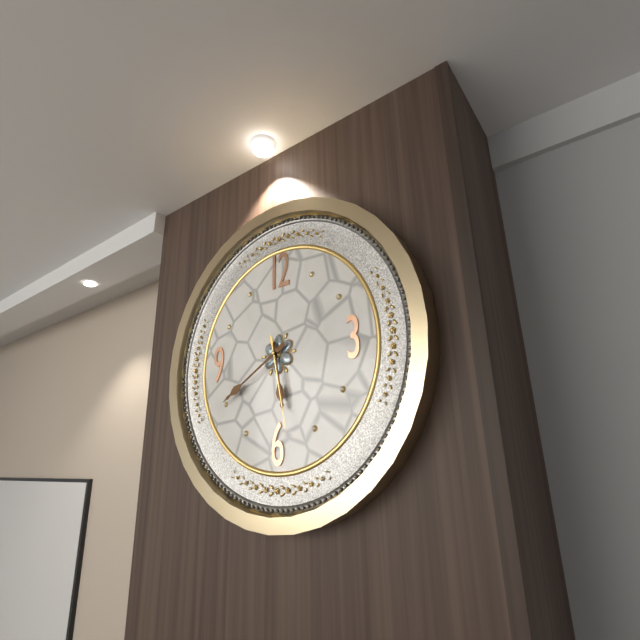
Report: h=5 m=40 s=28
